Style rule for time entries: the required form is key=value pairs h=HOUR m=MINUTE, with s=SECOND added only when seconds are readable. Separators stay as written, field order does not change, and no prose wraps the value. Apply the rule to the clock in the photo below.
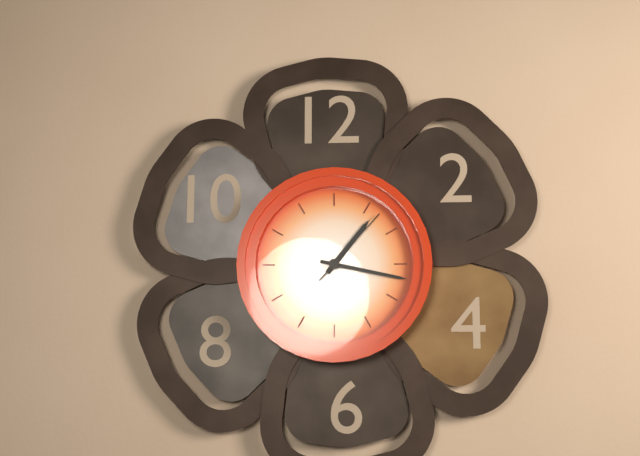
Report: h=1 m=17 s=7
